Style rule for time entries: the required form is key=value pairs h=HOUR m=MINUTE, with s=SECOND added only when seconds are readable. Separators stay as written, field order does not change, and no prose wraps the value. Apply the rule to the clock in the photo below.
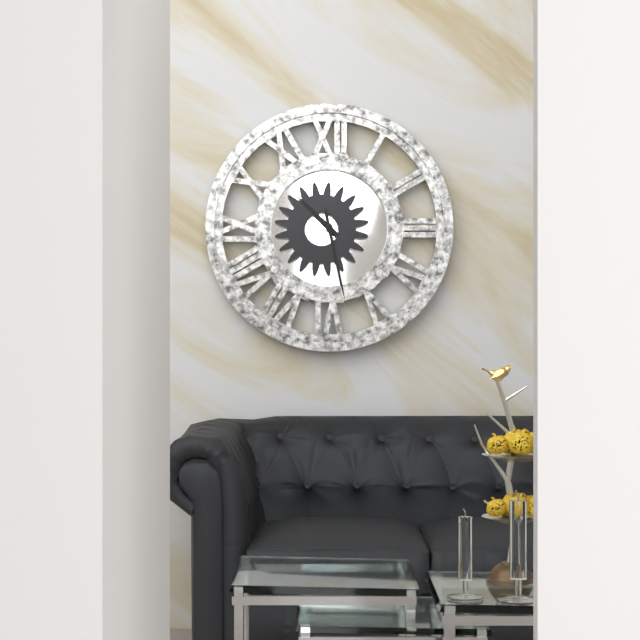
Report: h=10 m=28
